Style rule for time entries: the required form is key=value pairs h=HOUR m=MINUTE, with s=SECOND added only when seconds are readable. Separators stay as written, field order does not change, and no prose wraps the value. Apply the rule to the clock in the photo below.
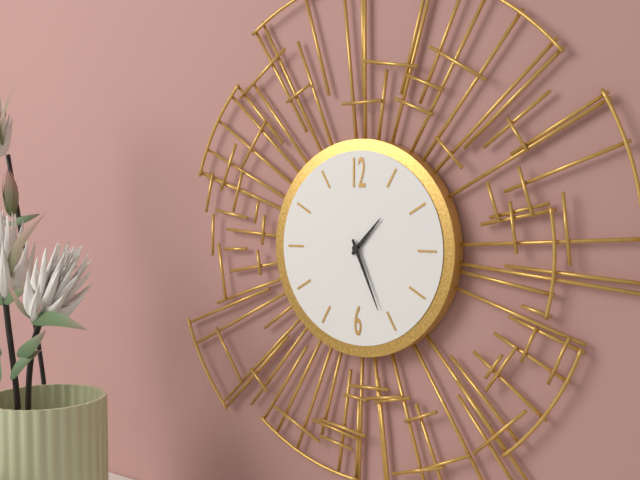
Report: h=1 m=26
